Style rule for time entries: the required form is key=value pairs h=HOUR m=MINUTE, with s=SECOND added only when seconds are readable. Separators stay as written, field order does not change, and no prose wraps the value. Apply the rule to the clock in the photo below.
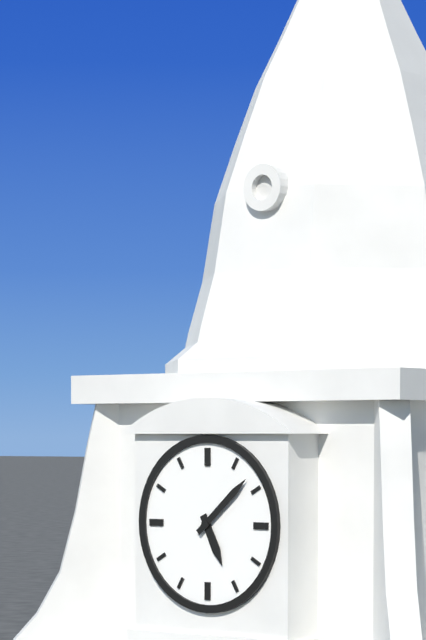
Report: h=5 m=8
